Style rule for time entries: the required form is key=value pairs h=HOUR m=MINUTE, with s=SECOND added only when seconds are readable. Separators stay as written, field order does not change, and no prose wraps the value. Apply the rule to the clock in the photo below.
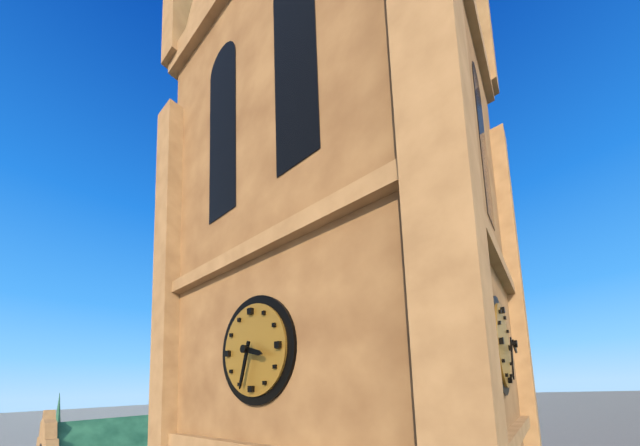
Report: h=3 m=33
